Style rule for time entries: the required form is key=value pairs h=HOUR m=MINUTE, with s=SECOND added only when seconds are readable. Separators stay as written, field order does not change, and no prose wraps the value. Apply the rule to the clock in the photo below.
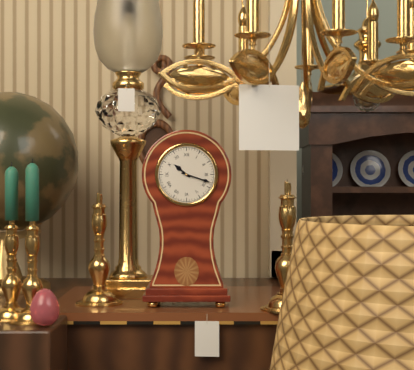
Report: h=10 m=18
